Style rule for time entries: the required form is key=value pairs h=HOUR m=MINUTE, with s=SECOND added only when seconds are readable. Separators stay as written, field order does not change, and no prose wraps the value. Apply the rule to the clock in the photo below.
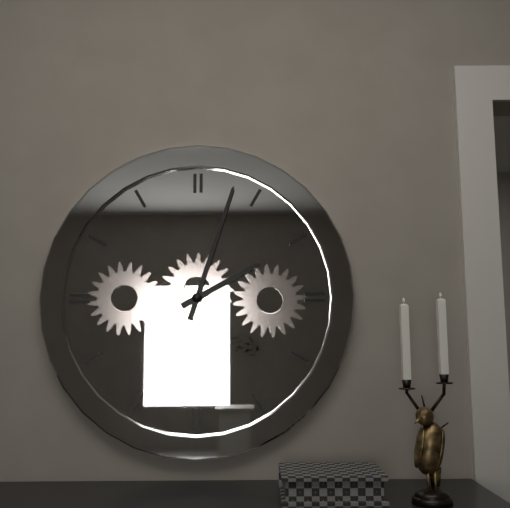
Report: h=2 m=3
